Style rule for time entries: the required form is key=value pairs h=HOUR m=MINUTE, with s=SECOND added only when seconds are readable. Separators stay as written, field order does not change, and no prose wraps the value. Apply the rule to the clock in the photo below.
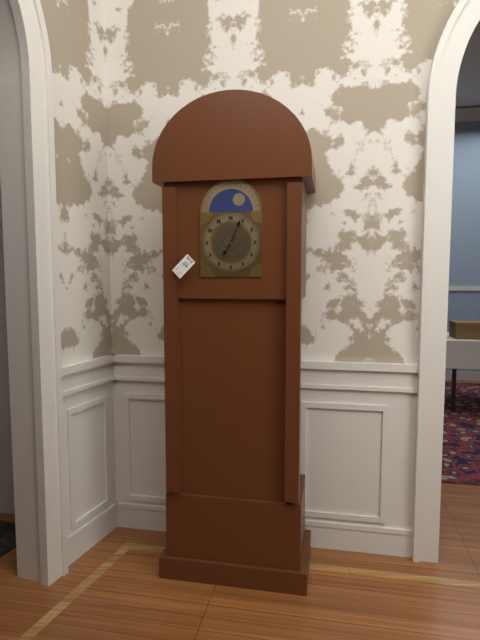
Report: h=7 m=4
